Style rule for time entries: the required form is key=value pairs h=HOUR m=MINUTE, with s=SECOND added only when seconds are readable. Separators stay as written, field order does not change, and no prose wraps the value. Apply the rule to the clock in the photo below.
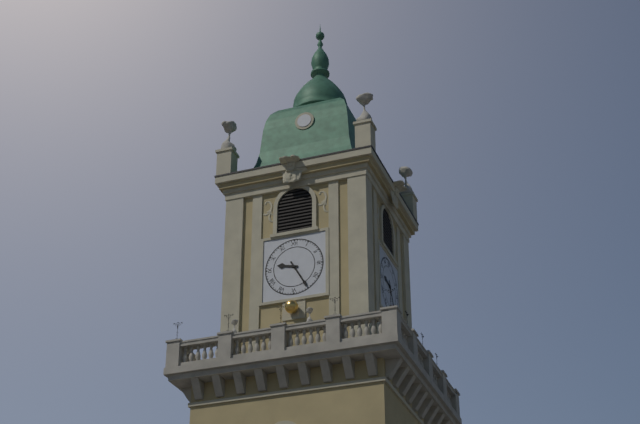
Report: h=9 m=25
